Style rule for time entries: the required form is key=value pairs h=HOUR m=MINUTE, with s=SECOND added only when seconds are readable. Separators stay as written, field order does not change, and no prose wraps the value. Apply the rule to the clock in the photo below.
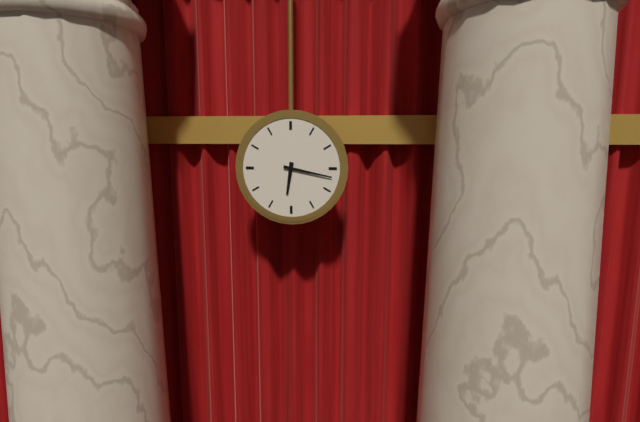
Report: h=6 m=17
